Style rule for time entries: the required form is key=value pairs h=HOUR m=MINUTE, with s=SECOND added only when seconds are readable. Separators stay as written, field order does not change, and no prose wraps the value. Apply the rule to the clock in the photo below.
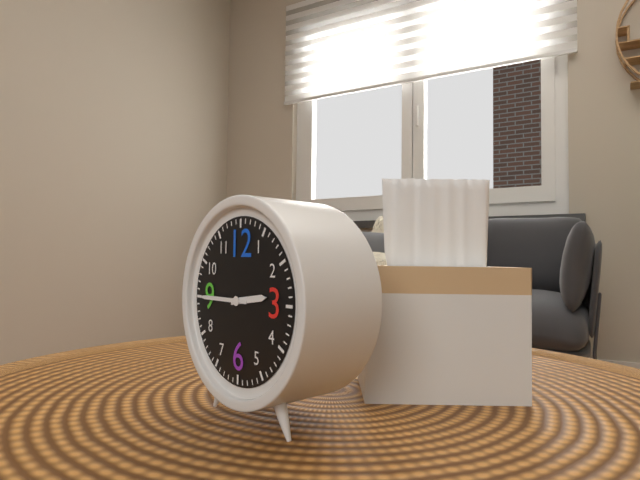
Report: h=2 m=45
